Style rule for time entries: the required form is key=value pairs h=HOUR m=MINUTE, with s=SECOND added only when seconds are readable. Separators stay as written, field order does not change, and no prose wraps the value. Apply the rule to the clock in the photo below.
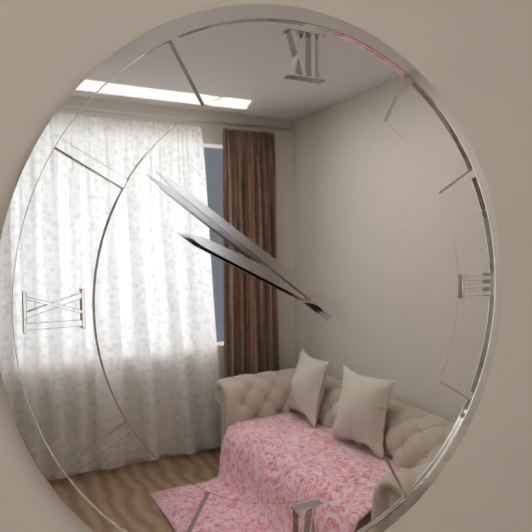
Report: h=9 m=51
